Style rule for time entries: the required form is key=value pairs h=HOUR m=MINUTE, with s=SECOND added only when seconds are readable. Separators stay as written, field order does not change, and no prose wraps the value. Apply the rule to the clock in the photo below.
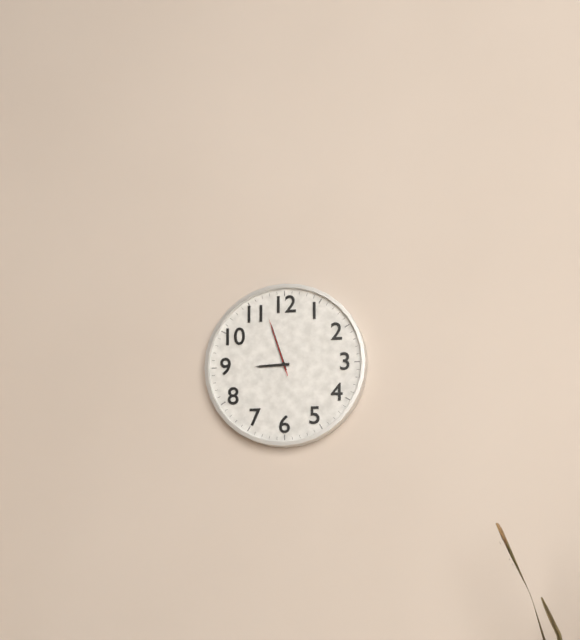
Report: h=8 m=57 s=57
